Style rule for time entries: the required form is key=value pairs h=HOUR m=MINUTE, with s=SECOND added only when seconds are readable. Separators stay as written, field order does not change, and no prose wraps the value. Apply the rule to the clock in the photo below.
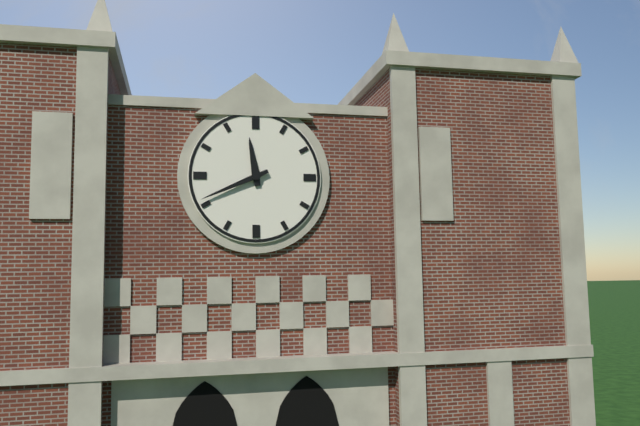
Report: h=11 m=41
